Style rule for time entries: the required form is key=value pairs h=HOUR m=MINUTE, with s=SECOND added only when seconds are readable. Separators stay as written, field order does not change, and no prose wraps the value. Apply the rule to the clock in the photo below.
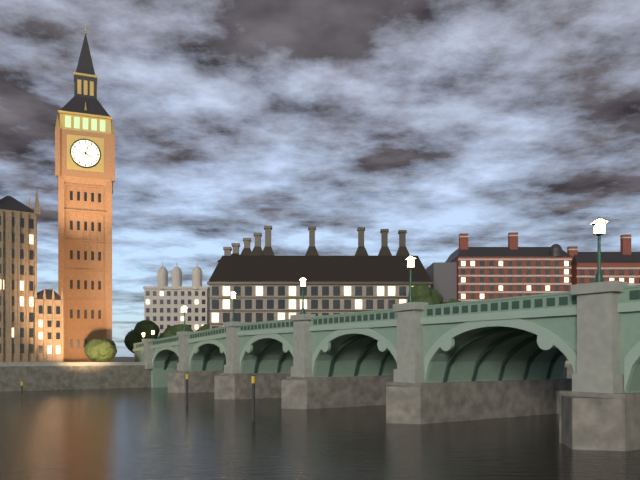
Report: h=4 m=3
